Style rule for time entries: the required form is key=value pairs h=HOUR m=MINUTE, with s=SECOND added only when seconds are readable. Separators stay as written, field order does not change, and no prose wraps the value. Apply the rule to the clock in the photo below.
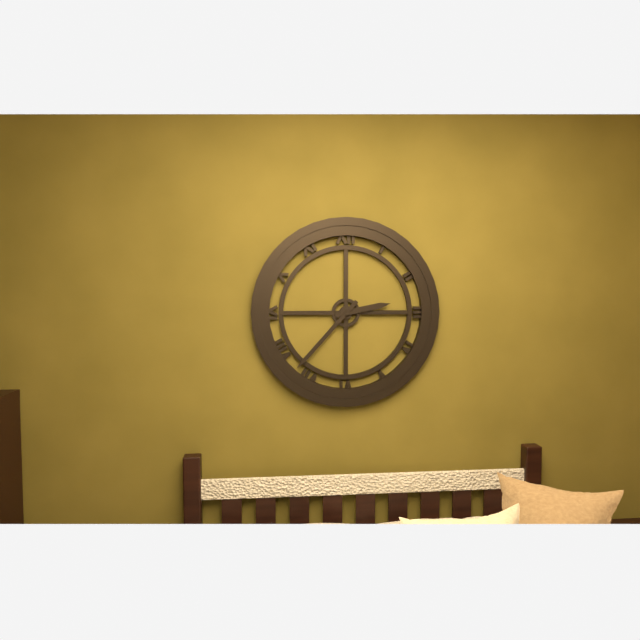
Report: h=2 m=37
